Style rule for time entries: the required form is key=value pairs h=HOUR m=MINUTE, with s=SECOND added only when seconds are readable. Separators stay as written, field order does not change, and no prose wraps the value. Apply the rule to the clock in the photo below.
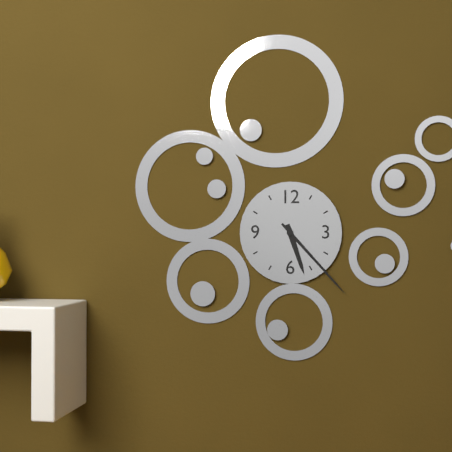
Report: h=5 m=23
